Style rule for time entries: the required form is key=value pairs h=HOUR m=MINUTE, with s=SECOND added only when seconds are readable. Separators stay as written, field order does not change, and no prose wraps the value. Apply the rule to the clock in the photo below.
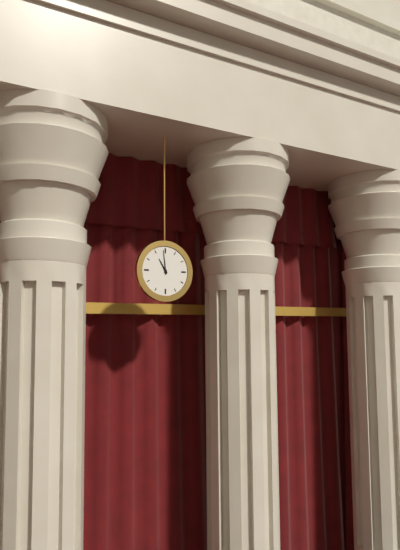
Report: h=10 m=59
